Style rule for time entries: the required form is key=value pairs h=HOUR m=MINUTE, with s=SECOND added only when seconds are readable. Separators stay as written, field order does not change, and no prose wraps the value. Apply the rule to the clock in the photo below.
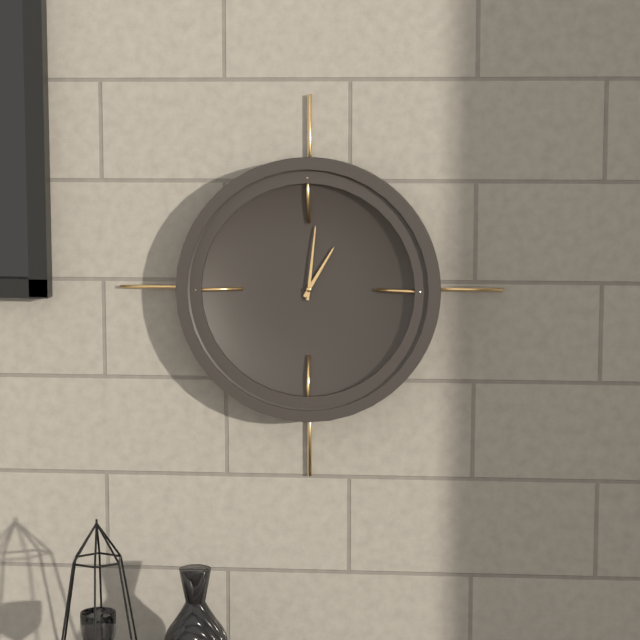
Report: h=1 m=1
